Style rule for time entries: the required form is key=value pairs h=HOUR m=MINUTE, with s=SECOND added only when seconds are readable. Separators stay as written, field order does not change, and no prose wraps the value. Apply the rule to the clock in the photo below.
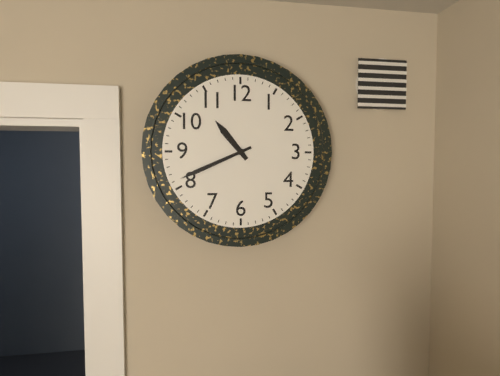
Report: h=10 m=41
